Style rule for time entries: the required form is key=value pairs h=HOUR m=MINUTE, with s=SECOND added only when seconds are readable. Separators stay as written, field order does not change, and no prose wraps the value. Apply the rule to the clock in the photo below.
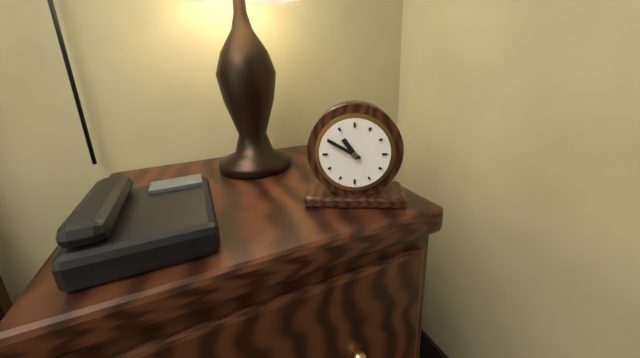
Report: h=10 m=50
